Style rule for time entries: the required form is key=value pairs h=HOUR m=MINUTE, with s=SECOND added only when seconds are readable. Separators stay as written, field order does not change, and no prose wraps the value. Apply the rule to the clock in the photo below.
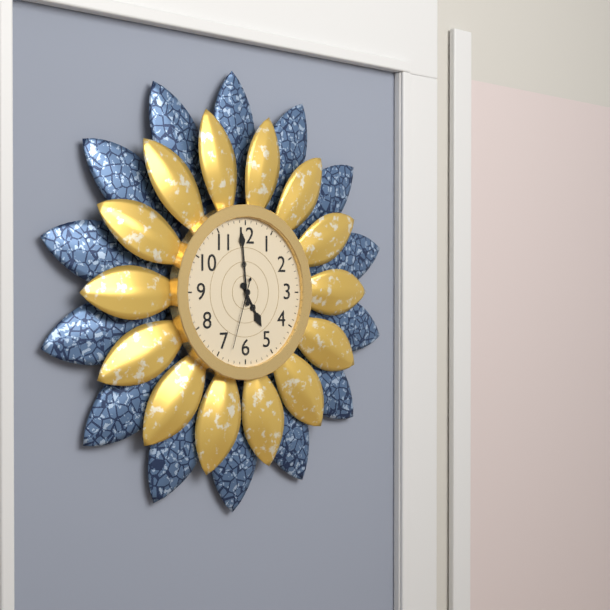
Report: h=4 m=59 s=33
